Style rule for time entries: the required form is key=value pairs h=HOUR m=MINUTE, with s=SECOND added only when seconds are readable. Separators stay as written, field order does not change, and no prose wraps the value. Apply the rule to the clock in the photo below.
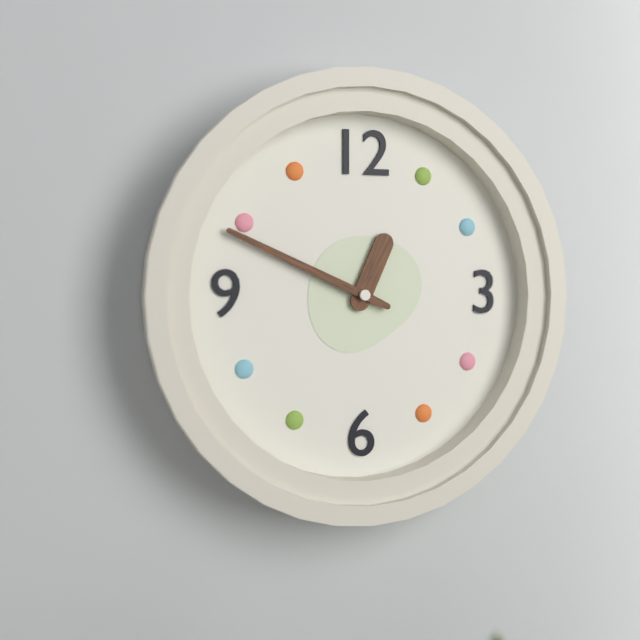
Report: h=12 m=49
